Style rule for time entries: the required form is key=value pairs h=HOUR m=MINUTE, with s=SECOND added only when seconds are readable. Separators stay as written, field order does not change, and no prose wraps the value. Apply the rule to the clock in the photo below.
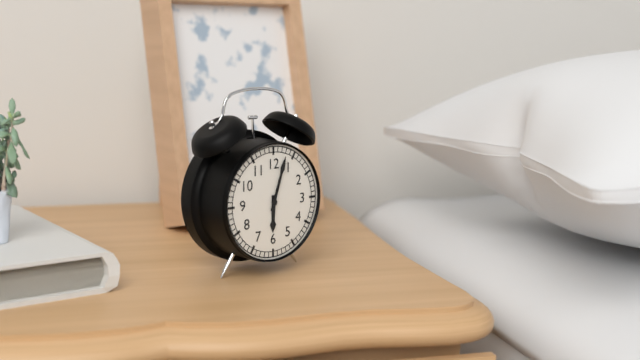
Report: h=6 m=3
